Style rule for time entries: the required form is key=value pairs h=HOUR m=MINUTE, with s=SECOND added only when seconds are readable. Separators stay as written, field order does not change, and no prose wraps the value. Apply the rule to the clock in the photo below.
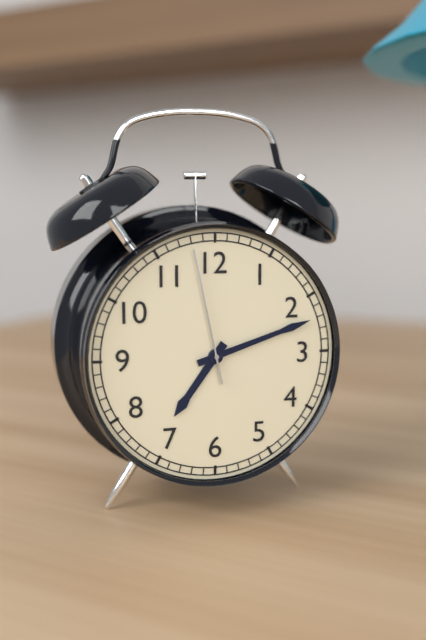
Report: h=7 m=12 s=58
